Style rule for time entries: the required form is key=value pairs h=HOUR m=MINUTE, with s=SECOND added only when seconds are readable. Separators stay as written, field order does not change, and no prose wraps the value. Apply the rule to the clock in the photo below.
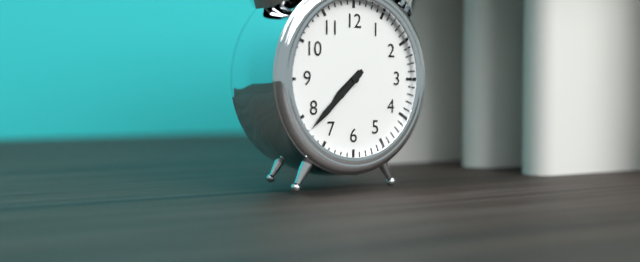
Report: h=7 m=38
